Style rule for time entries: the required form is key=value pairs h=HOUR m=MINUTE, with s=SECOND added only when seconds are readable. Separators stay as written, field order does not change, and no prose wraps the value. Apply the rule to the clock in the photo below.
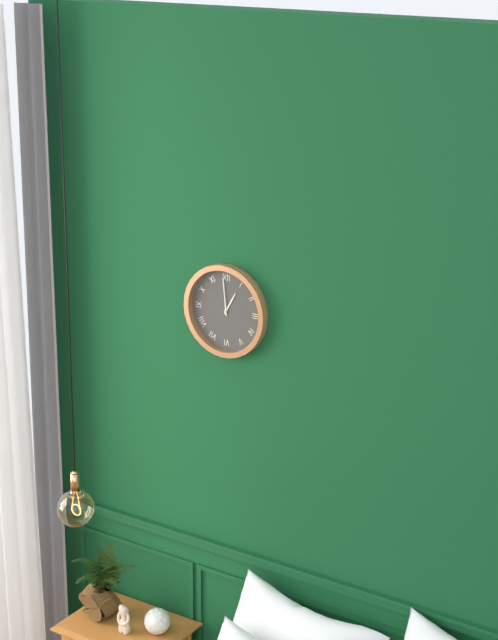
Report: h=12 m=59
